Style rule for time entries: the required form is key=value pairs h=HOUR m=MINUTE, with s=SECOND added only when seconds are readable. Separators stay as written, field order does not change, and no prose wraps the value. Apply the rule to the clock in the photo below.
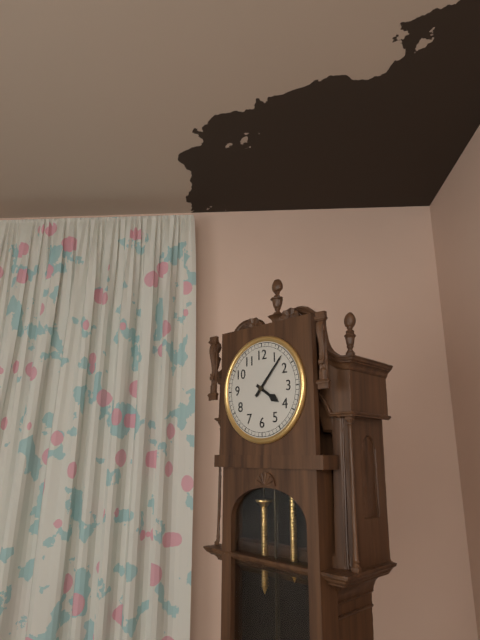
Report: h=4 m=7
